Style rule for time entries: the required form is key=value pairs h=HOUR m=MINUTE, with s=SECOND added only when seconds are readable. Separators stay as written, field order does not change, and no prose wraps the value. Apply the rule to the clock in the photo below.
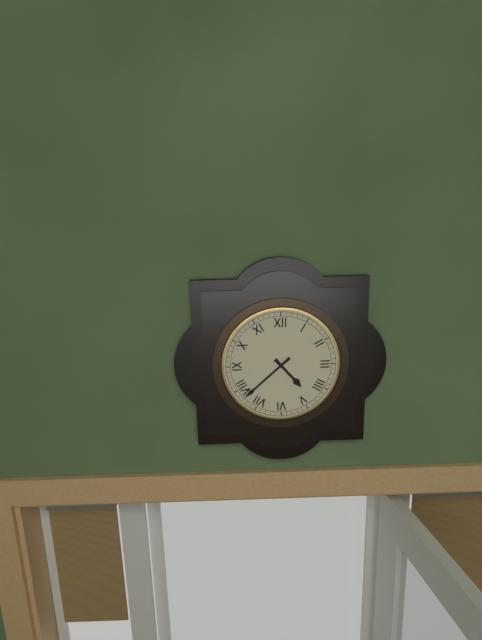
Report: h=4 m=38
